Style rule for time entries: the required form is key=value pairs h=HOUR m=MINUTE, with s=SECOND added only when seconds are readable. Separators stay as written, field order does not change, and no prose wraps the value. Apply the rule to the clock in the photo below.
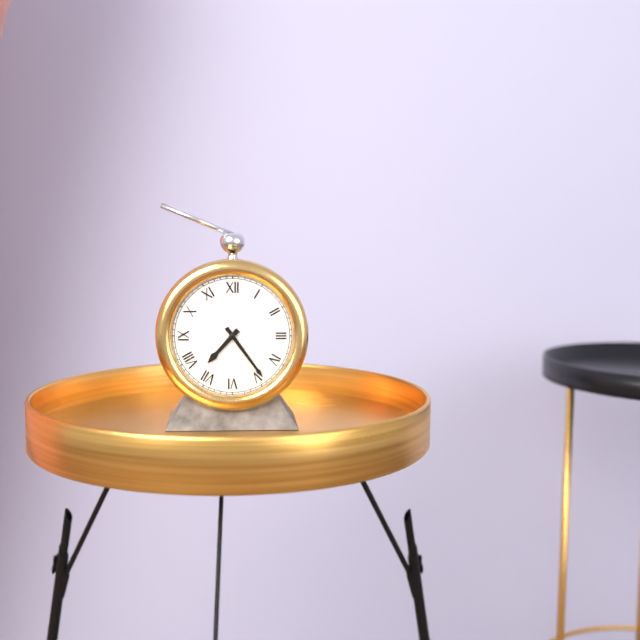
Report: h=7 m=24
